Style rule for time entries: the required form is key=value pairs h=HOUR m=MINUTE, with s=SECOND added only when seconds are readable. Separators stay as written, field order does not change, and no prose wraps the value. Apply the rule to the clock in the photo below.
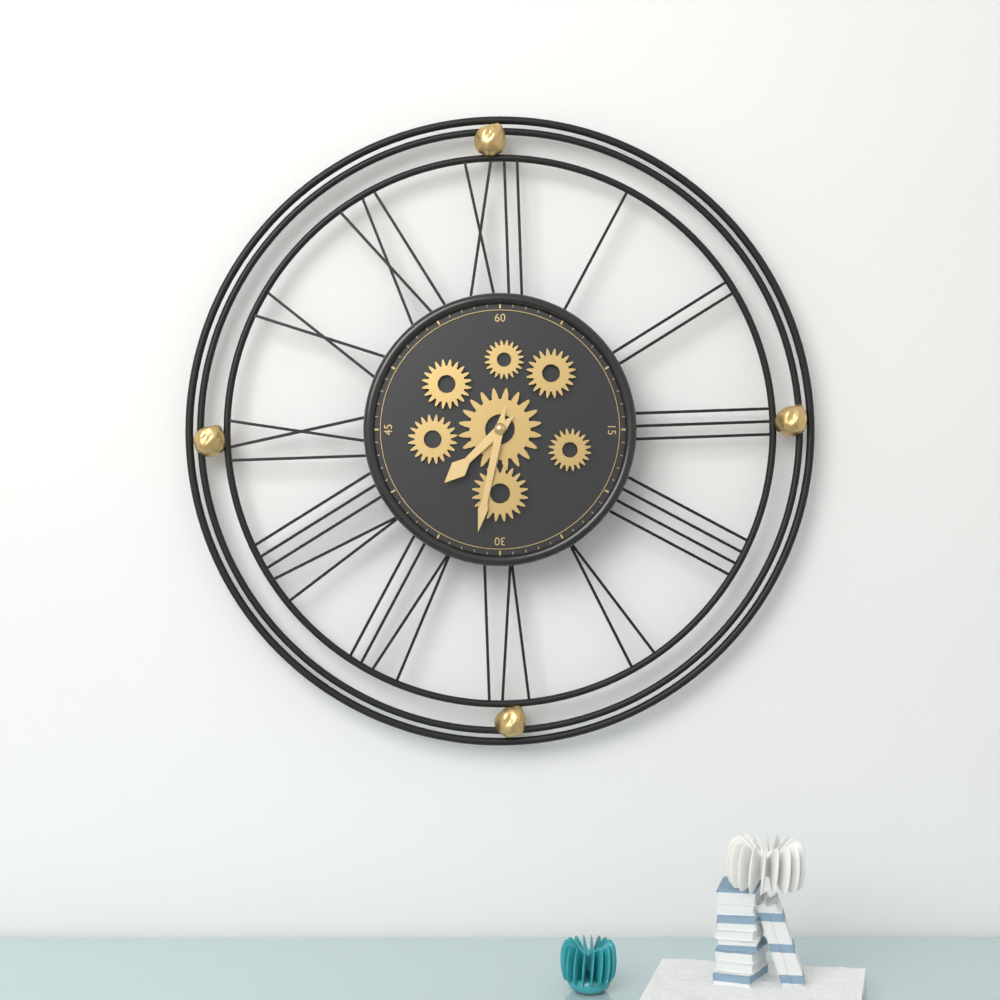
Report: h=7 m=32
